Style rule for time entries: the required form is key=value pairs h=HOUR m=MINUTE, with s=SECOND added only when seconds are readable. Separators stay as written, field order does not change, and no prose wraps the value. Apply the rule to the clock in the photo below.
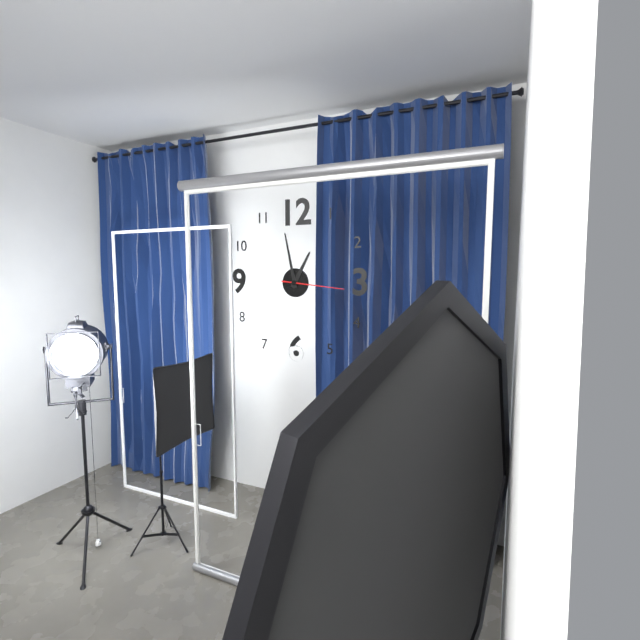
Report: h=12 m=58 s=16
